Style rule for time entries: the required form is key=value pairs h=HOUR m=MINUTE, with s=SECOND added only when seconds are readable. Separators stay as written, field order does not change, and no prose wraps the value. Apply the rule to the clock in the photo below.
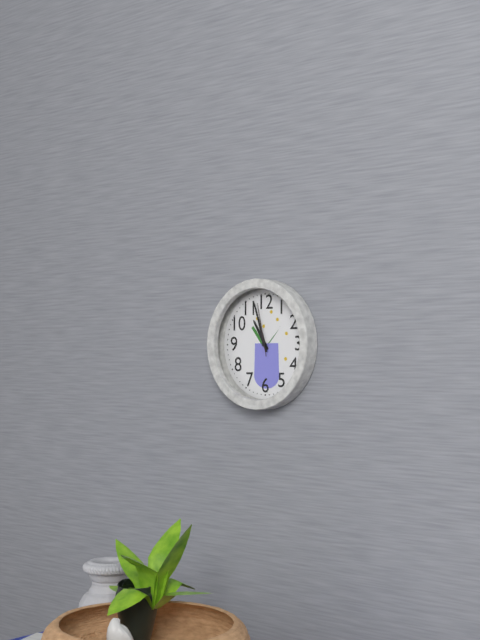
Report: h=10 m=57 s=58
